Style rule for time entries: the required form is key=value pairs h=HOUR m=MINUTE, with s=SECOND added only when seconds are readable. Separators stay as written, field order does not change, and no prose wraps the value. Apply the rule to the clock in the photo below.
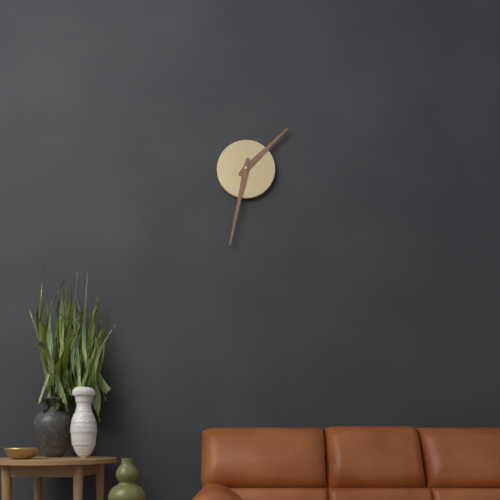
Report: h=1 m=32
